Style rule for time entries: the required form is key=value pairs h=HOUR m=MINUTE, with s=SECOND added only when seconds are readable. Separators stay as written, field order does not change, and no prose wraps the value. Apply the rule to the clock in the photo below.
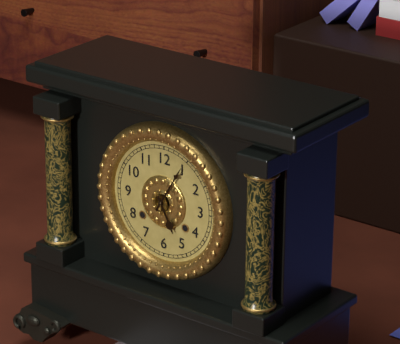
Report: h=5 m=5
